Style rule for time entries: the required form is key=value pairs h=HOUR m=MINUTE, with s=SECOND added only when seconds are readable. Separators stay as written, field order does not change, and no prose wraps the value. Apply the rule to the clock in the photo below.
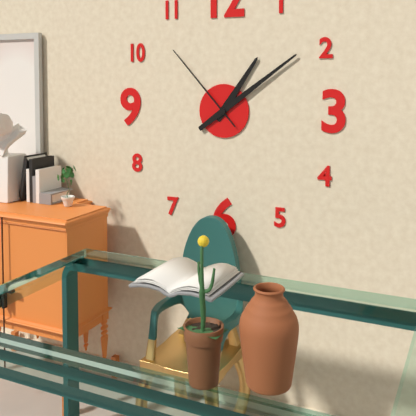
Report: h=1 m=9 s=53
